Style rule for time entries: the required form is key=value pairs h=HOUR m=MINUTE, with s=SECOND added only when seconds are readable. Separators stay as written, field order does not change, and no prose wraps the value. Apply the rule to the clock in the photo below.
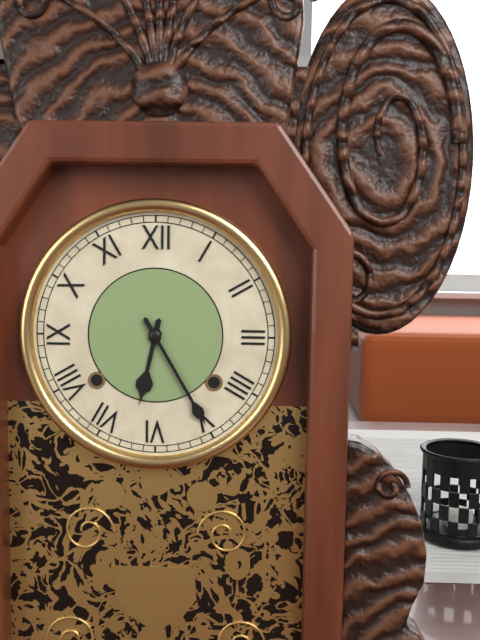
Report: h=6 m=25
